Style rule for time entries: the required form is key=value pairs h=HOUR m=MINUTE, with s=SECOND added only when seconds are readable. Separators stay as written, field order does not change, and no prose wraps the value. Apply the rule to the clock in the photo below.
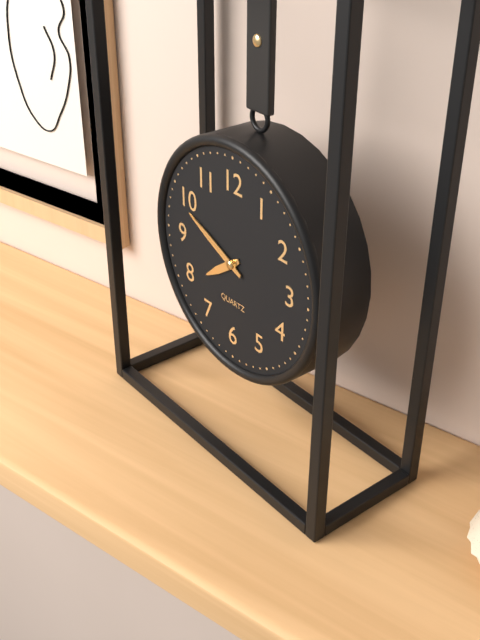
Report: h=7 m=49
